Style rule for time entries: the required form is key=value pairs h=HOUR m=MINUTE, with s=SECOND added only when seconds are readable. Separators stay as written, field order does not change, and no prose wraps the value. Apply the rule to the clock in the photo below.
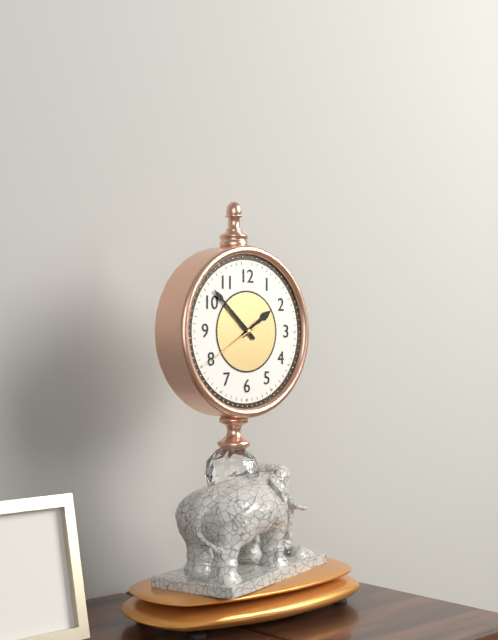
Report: h=1 m=52 s=40
